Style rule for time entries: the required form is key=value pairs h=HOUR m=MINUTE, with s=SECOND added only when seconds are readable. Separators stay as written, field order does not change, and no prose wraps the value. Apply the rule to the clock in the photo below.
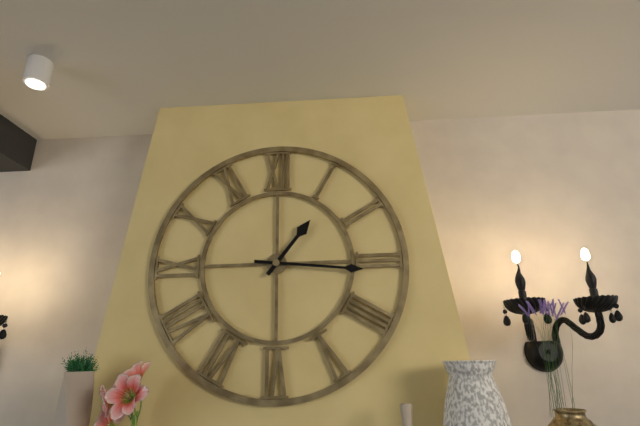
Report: h=1 m=16
